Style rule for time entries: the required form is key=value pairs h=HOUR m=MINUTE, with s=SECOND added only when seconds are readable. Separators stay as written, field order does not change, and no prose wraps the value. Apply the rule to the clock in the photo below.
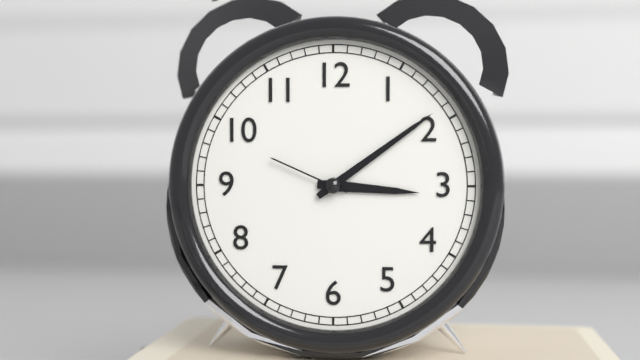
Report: h=3 m=9 s=49
